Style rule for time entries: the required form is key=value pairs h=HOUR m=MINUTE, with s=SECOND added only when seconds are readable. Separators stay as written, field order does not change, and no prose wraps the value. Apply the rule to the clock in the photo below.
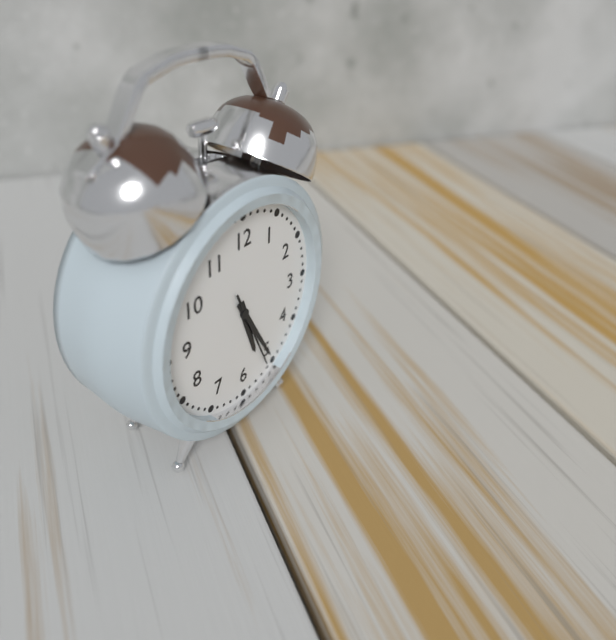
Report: h=5 m=25 s=26
